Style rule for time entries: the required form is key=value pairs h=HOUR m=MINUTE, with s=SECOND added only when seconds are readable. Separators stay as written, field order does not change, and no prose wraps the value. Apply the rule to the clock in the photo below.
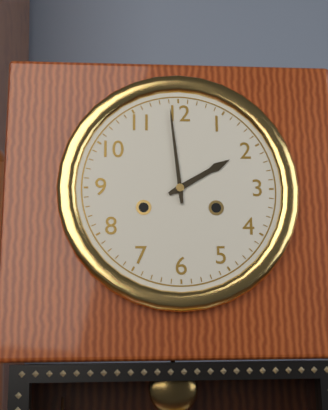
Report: h=1 m=59
